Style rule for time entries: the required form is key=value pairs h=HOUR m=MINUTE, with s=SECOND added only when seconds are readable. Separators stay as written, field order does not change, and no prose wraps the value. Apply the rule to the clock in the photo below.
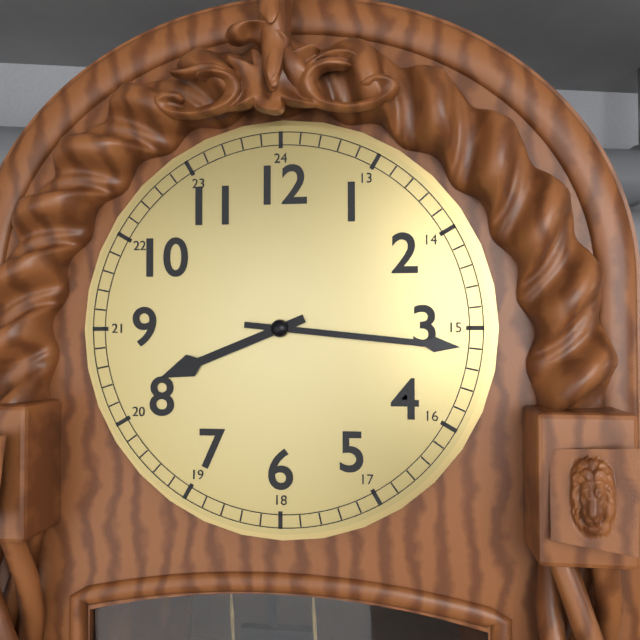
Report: h=8 m=16
